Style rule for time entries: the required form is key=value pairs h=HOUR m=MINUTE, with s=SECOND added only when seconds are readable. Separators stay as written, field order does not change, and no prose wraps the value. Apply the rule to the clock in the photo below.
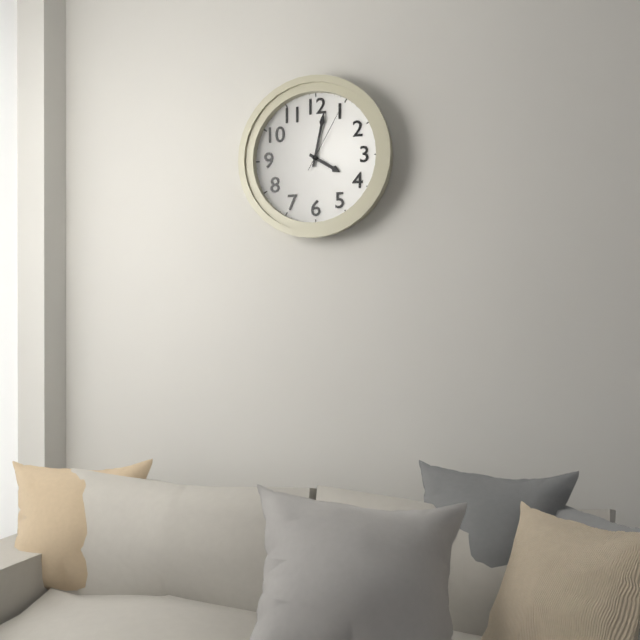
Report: h=4 m=2 s=5
